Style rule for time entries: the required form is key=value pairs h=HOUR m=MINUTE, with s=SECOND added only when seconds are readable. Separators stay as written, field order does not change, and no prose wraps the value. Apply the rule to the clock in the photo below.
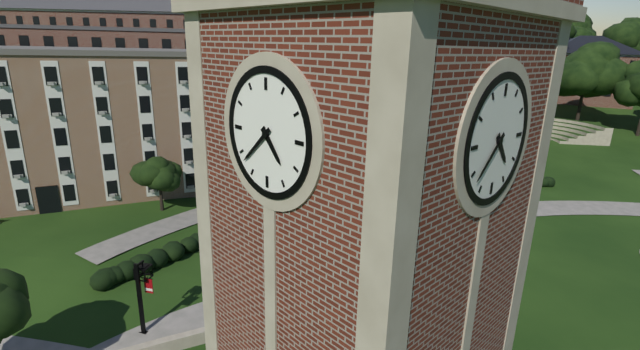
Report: h=4 m=38
